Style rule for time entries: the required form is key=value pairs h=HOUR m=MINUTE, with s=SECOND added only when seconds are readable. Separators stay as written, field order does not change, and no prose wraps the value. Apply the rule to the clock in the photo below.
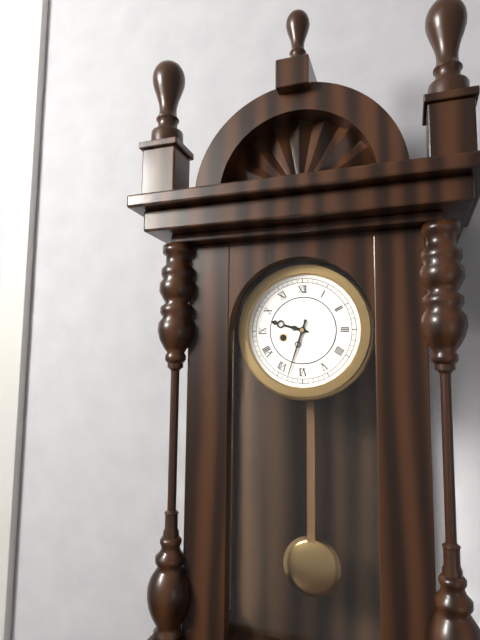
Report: h=9 m=33
